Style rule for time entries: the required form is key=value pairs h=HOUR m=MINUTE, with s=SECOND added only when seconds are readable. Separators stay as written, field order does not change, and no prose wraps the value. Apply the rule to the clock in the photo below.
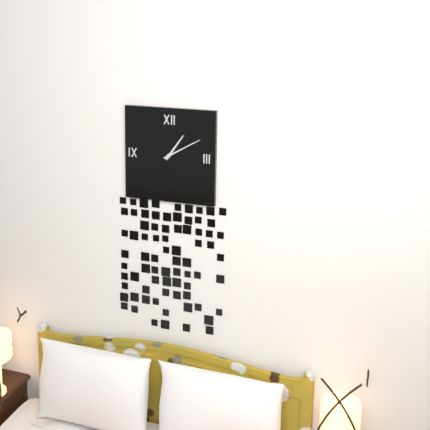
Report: h=1 m=10
